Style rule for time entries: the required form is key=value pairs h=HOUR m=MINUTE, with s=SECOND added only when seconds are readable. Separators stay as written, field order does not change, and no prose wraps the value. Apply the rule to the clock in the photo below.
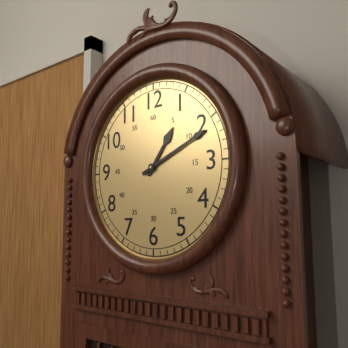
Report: h=1 m=11
